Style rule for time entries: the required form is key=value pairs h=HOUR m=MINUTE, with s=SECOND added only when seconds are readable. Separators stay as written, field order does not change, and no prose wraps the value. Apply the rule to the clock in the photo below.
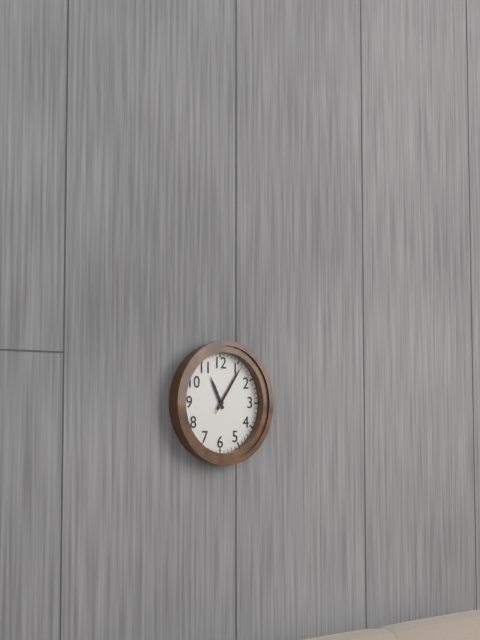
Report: h=11 m=6 s=6
